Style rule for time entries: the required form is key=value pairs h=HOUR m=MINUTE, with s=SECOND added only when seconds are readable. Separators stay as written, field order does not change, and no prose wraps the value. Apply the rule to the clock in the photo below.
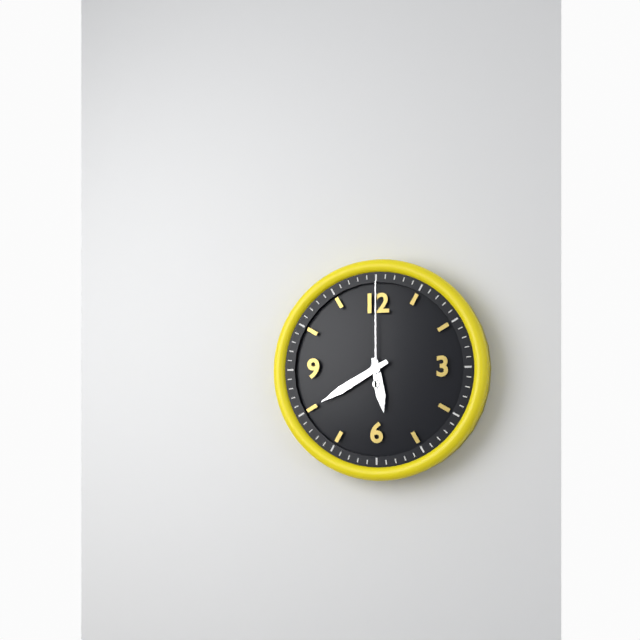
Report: h=5 m=40 s=0
